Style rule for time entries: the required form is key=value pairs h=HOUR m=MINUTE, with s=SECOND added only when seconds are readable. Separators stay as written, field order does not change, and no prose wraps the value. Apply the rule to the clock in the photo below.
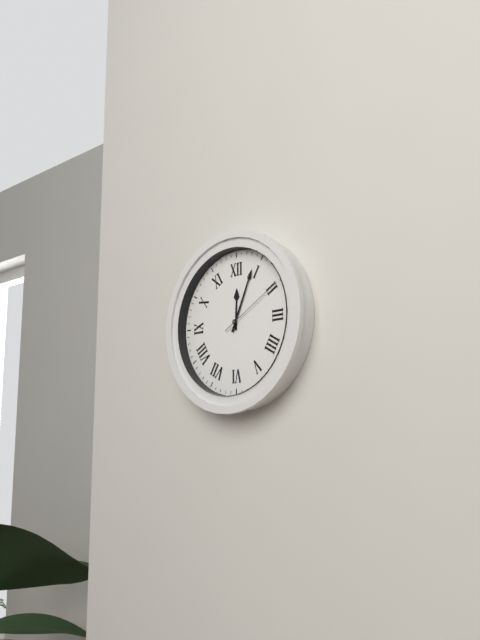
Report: h=12 m=4 s=10
